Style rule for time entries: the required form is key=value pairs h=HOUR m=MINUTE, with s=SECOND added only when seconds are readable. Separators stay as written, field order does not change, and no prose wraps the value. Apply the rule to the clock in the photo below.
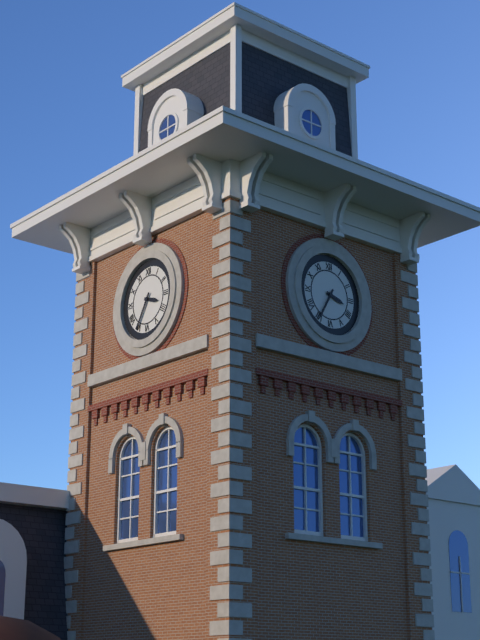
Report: h=3 m=35
